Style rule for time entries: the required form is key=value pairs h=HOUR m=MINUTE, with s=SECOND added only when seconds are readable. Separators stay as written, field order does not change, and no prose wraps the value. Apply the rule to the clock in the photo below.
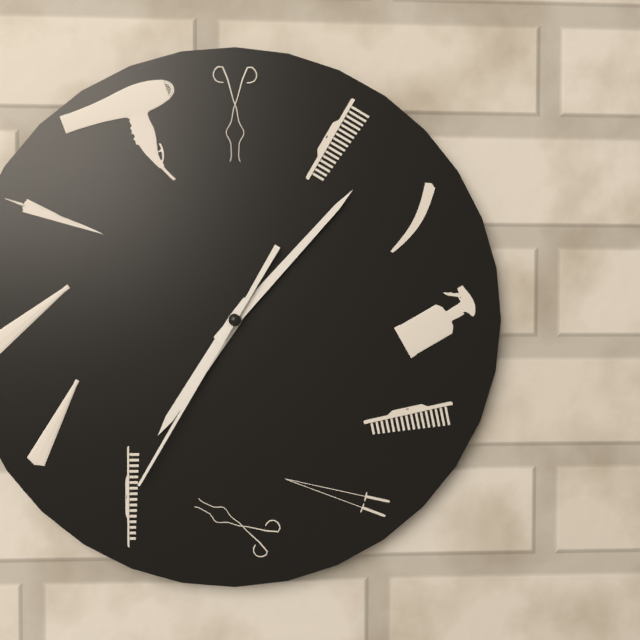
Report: h=7 m=7 s=35
